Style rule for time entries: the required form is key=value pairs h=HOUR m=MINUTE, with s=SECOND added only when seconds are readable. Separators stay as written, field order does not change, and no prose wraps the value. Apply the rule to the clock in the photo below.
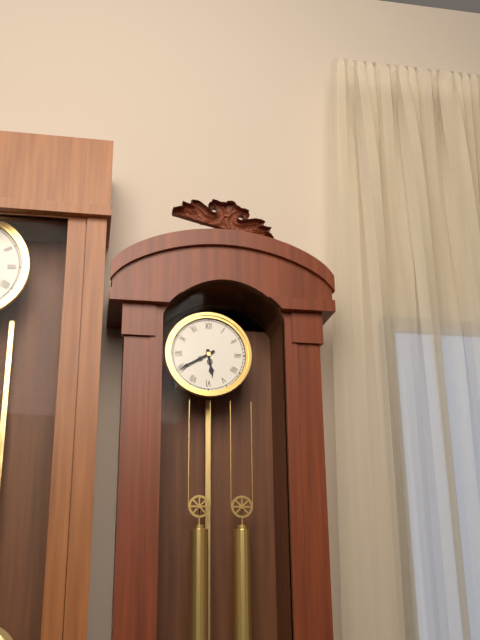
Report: h=5 m=40
